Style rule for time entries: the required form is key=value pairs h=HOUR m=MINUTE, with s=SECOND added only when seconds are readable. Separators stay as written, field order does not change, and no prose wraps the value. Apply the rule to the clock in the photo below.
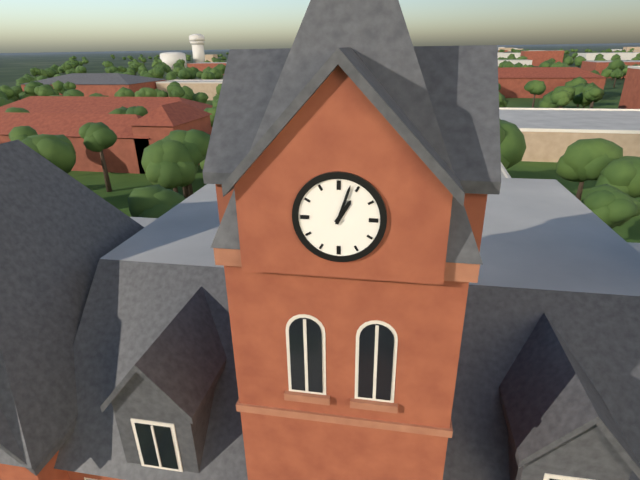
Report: h=1 m=3
